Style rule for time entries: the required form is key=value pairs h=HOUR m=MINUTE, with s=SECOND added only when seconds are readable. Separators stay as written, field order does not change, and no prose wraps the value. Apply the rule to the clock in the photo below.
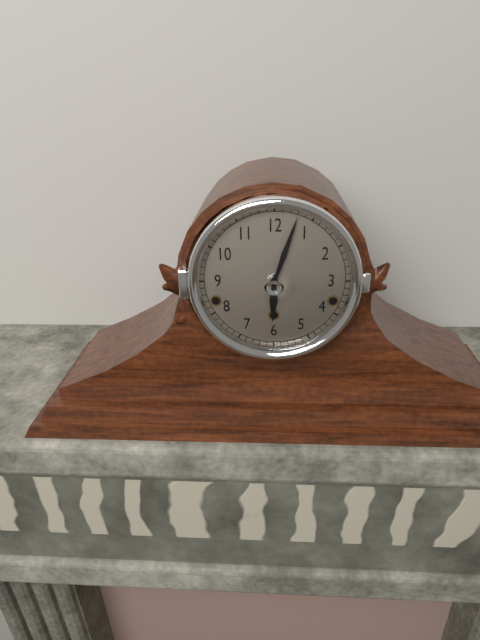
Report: h=6 m=3
